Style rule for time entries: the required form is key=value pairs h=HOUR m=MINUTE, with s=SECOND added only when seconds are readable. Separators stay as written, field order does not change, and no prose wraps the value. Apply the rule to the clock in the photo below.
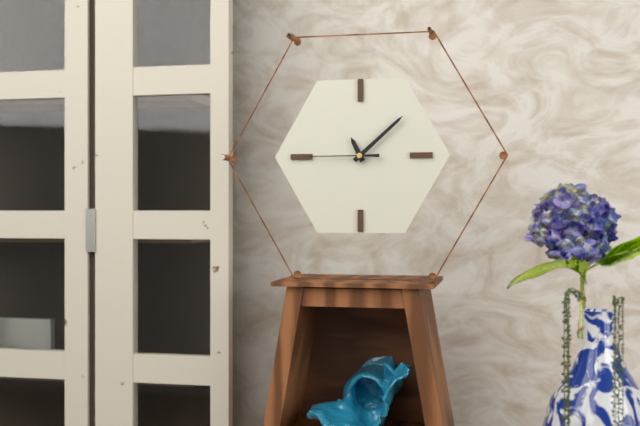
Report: h=11 m=8 s=45
